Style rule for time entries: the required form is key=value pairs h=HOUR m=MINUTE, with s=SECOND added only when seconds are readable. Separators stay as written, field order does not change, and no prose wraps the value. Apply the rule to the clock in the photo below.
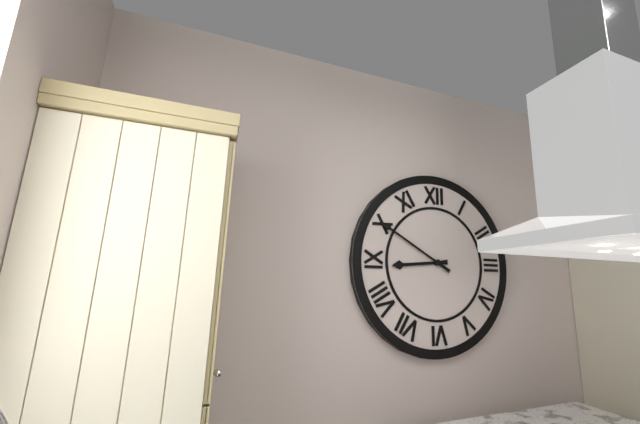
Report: h=8 m=50
